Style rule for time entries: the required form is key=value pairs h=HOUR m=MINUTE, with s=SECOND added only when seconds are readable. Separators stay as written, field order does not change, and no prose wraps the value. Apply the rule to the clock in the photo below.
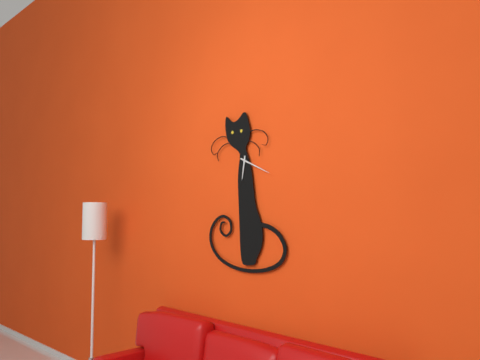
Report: h=6 m=19
